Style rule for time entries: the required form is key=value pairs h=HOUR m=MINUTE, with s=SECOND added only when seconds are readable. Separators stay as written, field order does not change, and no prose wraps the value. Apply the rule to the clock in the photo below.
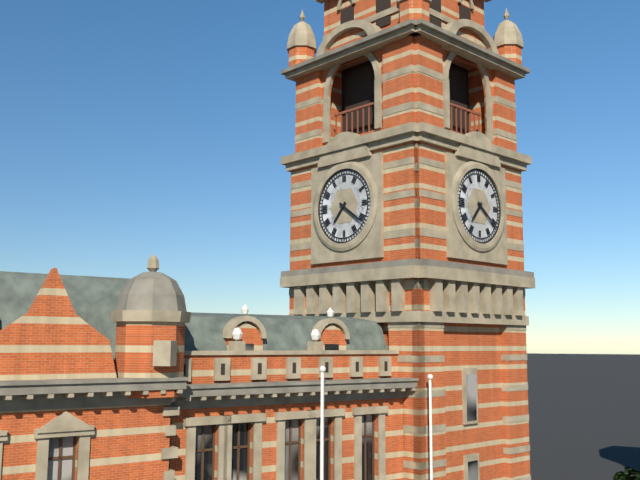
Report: h=7 m=21
